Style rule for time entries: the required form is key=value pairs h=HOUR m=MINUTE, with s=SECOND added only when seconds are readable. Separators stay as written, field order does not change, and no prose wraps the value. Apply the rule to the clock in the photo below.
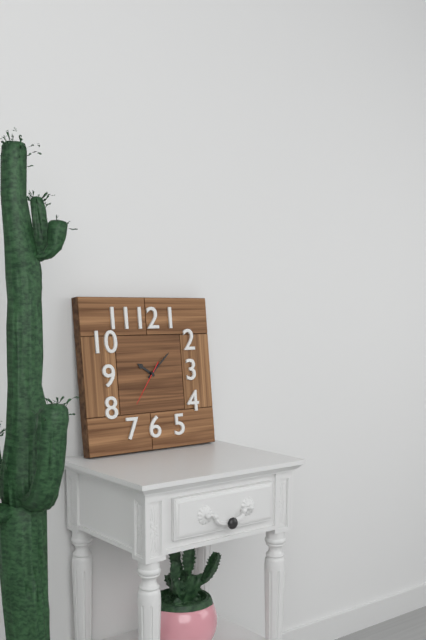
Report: h=10 m=8
